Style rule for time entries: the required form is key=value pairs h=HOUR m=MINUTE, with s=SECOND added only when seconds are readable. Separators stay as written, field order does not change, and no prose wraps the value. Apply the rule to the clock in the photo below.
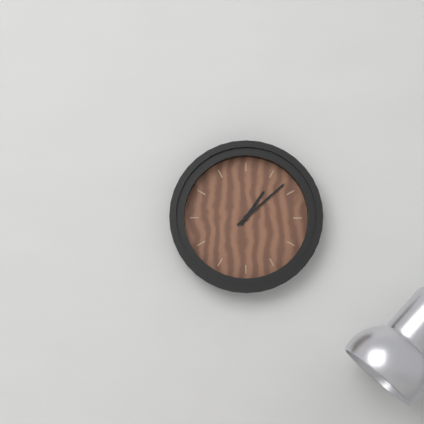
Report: h=1 m=8
